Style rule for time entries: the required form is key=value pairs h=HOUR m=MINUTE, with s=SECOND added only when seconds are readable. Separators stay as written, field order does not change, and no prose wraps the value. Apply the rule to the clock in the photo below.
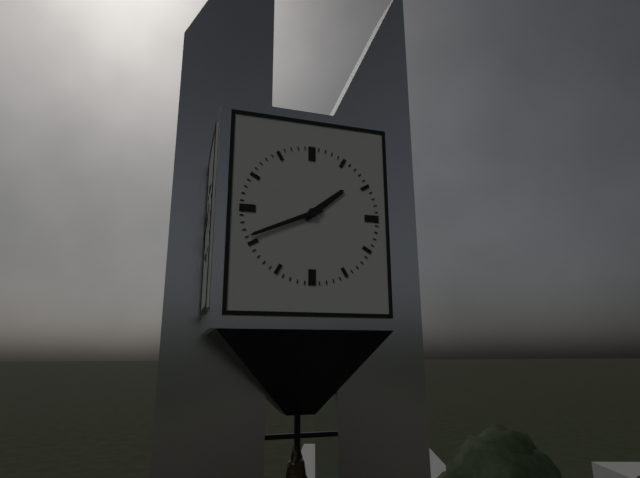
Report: h=1 m=41
